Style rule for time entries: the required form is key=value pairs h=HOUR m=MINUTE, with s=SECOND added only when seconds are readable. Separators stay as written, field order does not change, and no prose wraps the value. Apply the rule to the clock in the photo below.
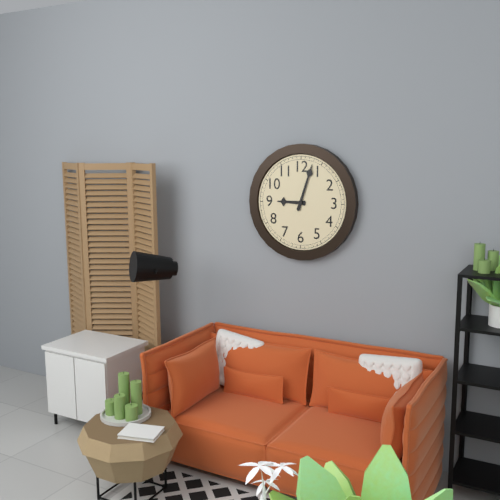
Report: h=9 m=3
